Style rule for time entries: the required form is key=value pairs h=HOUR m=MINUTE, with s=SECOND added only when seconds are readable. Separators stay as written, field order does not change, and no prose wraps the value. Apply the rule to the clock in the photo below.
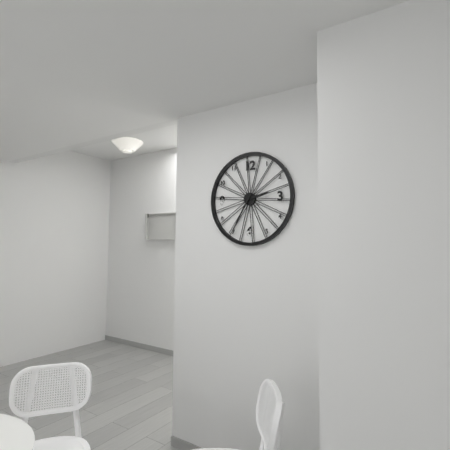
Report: h=2 m=35
